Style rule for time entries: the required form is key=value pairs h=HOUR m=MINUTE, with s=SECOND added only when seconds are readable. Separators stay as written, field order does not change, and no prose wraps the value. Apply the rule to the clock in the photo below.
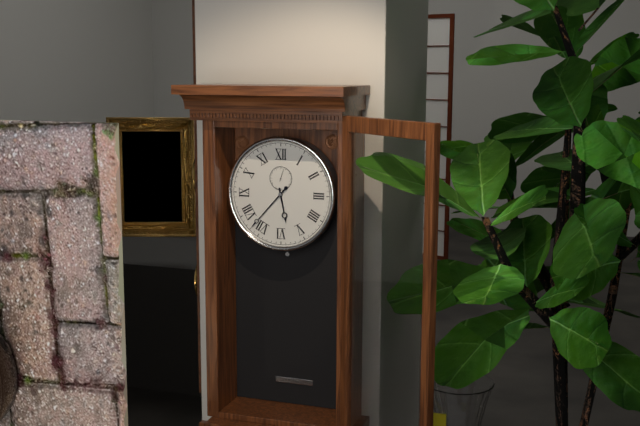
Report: h=5 m=37
